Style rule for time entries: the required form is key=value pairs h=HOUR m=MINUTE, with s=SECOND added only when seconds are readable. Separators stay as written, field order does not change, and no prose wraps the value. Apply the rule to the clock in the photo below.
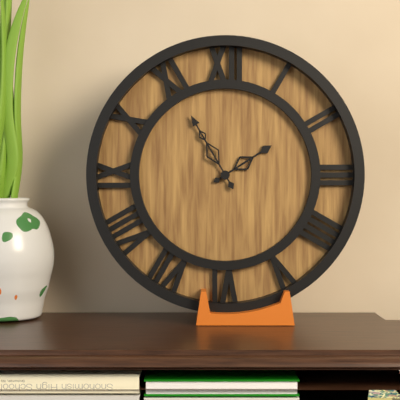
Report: h=1 m=55
